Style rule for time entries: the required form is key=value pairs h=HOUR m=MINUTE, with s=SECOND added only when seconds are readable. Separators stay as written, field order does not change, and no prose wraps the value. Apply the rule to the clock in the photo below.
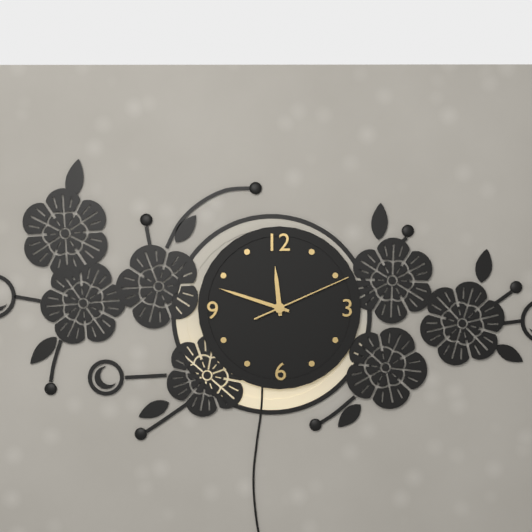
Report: h=11 m=48 s=11
